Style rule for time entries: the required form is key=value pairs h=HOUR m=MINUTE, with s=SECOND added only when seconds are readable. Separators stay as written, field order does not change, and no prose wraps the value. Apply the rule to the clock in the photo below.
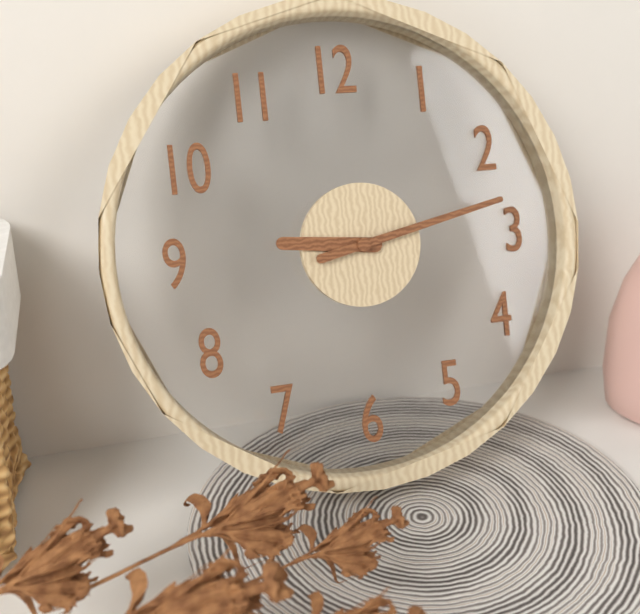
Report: h=9 m=13
